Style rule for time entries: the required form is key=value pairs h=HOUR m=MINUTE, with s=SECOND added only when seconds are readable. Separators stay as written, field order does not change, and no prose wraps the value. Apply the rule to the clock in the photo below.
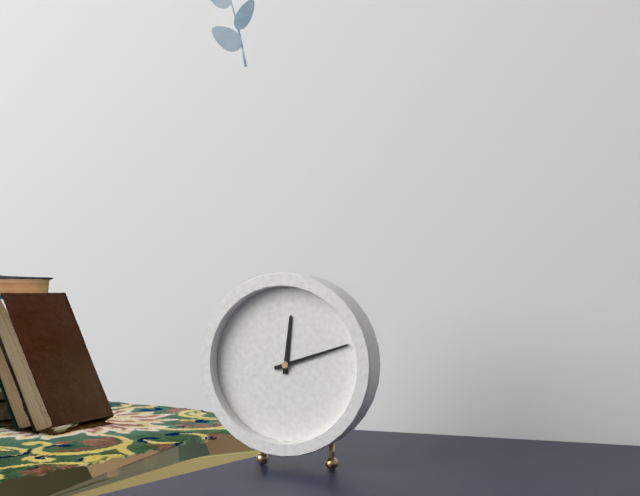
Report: h=12 m=12
